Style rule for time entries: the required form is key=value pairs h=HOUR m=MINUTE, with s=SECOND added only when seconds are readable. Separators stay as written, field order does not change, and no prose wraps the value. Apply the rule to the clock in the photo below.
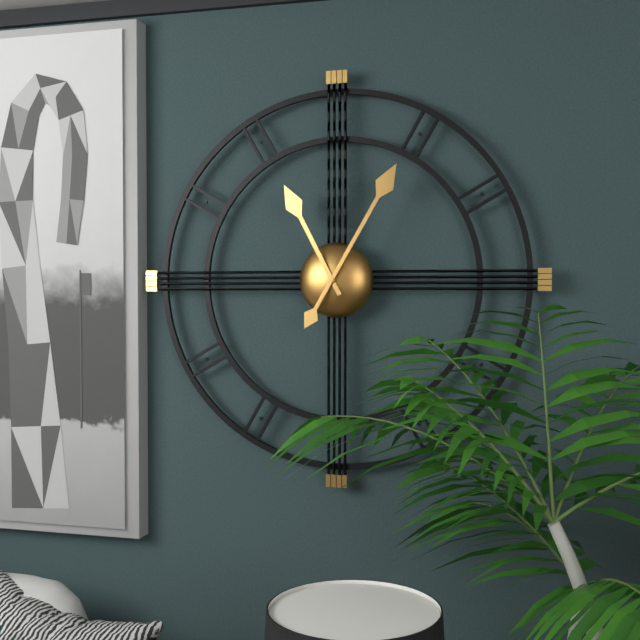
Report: h=11 m=5
